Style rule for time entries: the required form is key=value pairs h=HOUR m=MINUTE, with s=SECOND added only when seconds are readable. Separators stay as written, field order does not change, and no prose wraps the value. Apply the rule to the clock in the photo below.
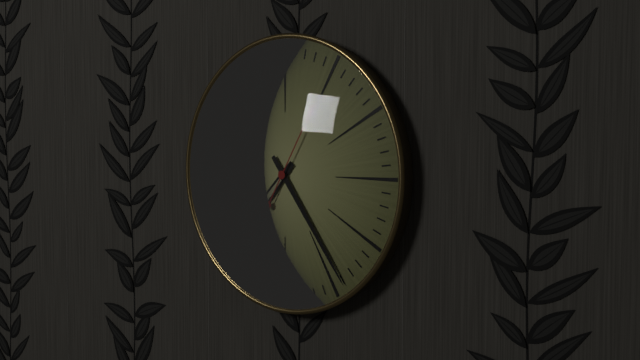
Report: h=7 m=24 s=5
